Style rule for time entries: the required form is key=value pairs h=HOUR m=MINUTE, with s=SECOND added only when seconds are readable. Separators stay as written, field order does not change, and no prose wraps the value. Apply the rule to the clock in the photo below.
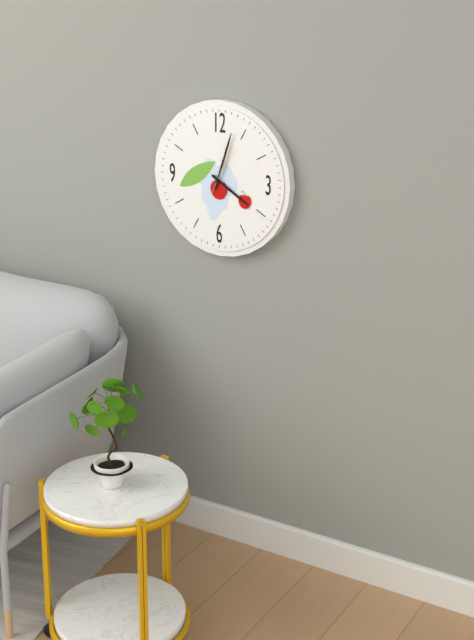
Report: h=4 m=3
